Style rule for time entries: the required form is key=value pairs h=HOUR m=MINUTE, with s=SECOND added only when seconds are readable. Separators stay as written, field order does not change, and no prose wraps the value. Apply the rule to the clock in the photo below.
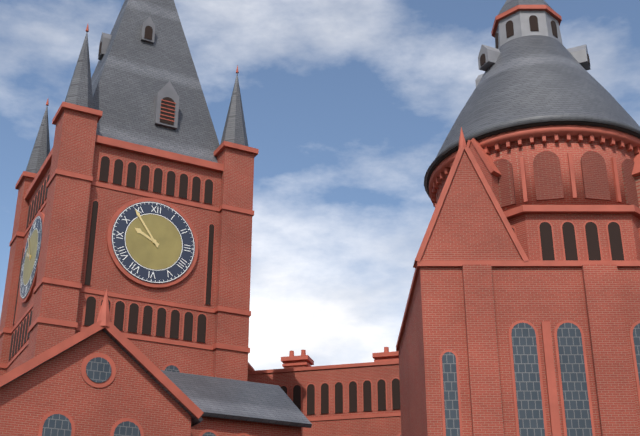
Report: h=9 m=54
